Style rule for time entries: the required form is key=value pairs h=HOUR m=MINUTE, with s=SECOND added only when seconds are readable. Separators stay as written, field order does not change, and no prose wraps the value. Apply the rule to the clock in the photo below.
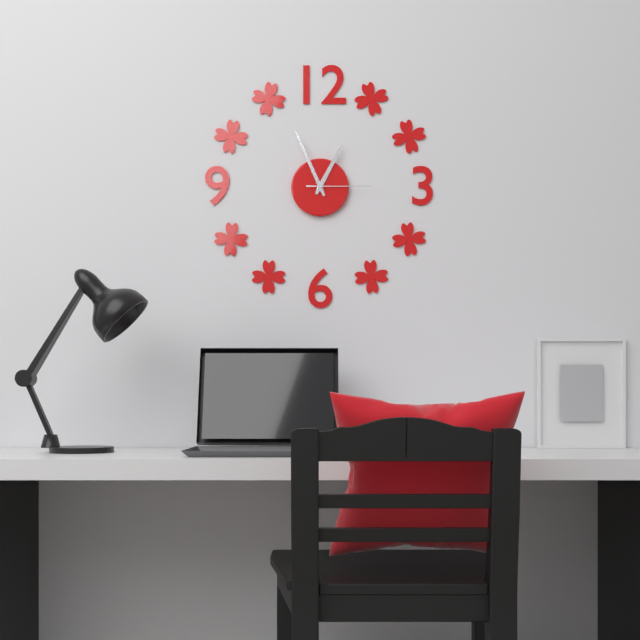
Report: h=12 m=56 s=15
